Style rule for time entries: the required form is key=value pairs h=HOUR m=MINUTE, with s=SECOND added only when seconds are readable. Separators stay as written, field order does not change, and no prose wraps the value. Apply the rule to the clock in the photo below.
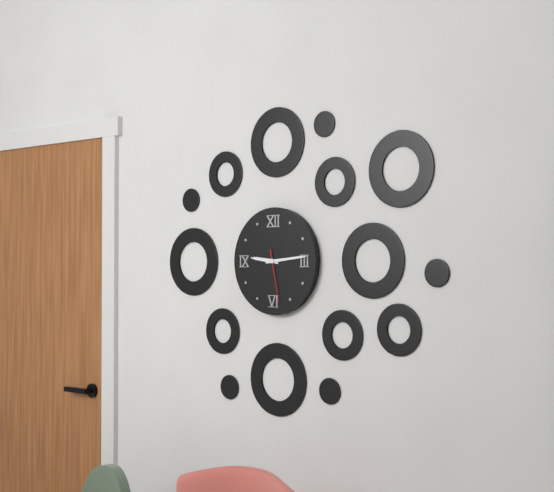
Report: h=9 m=14 s=28
